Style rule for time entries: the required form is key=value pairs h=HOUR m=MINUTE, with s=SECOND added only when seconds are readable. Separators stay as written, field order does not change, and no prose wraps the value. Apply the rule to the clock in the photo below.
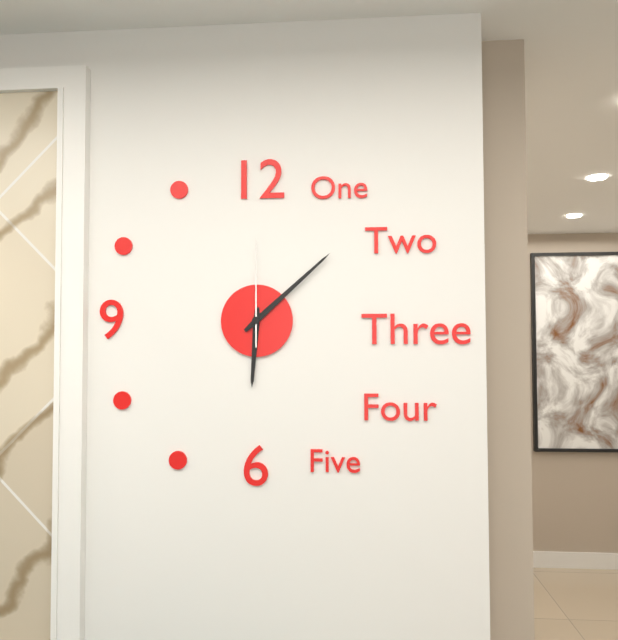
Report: h=6 m=8 s=0
